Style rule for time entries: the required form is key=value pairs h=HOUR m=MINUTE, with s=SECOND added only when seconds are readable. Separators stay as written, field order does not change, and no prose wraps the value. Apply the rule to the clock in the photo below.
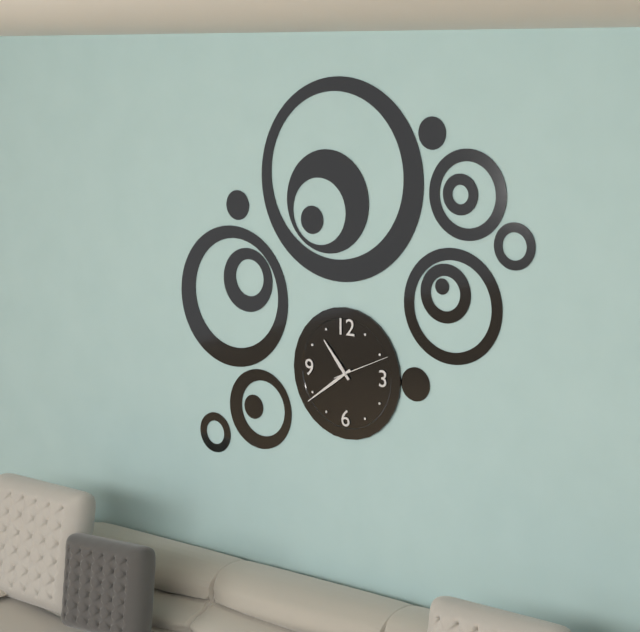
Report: h=10 m=39 s=11
